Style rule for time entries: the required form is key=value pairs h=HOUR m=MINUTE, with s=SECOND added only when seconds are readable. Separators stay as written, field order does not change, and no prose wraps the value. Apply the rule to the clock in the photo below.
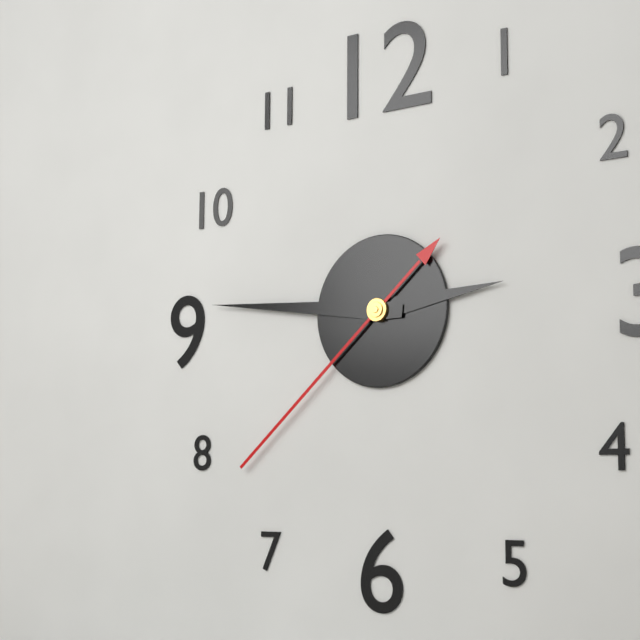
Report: h=2 m=46 s=38
